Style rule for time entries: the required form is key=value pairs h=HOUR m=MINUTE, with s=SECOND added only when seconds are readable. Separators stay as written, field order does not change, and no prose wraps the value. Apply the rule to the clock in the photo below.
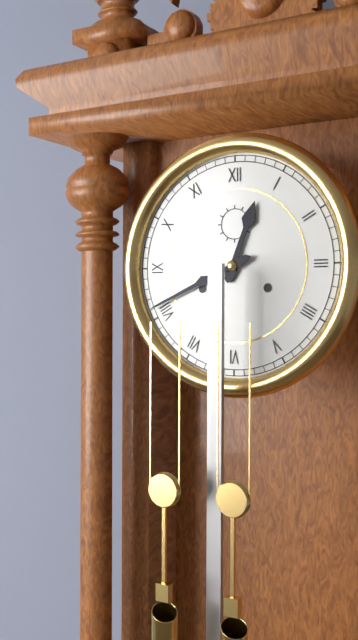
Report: h=12 m=41
